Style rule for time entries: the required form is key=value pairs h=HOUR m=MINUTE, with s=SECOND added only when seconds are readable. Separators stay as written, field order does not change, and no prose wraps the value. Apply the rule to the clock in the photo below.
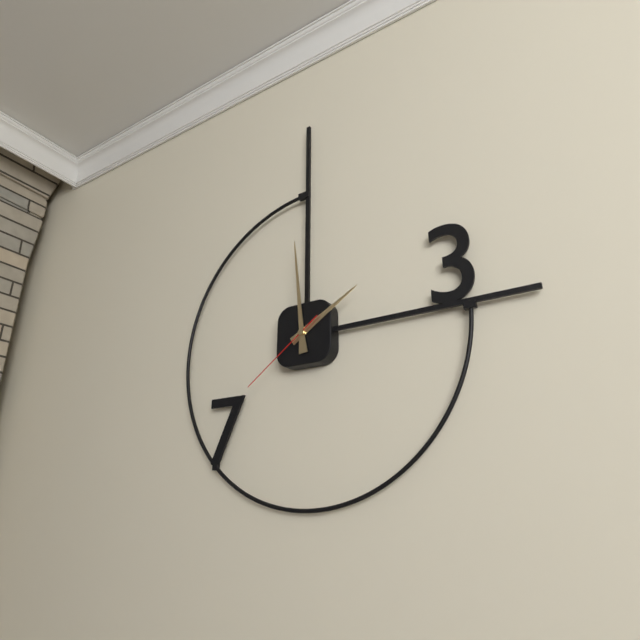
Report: h=1 m=59 s=39
